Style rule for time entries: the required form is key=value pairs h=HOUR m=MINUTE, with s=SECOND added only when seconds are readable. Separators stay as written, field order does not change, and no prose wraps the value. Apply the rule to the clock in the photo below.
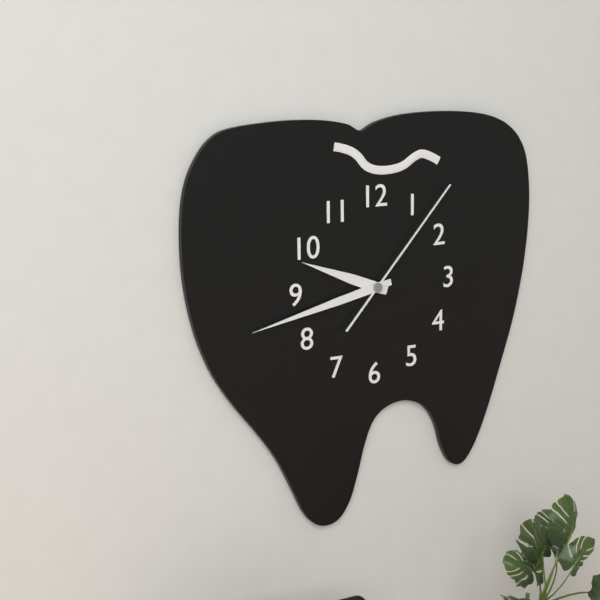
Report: h=9 m=43 s=7
